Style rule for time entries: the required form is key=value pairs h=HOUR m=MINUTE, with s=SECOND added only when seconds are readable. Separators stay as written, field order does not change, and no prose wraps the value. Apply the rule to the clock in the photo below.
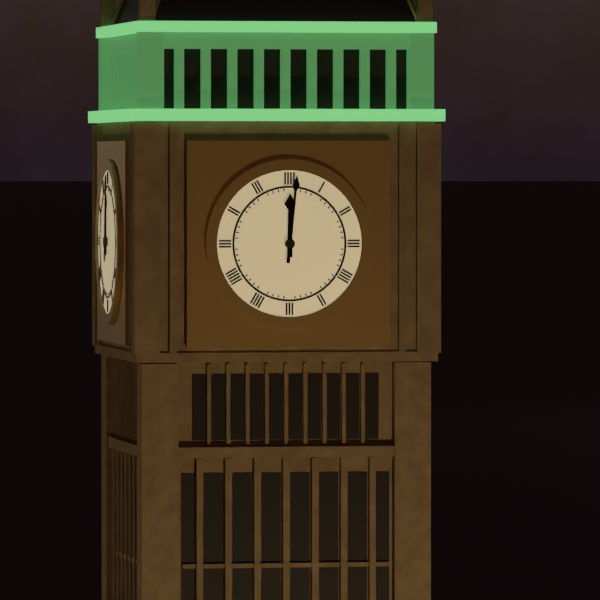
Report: h=12 m=1
